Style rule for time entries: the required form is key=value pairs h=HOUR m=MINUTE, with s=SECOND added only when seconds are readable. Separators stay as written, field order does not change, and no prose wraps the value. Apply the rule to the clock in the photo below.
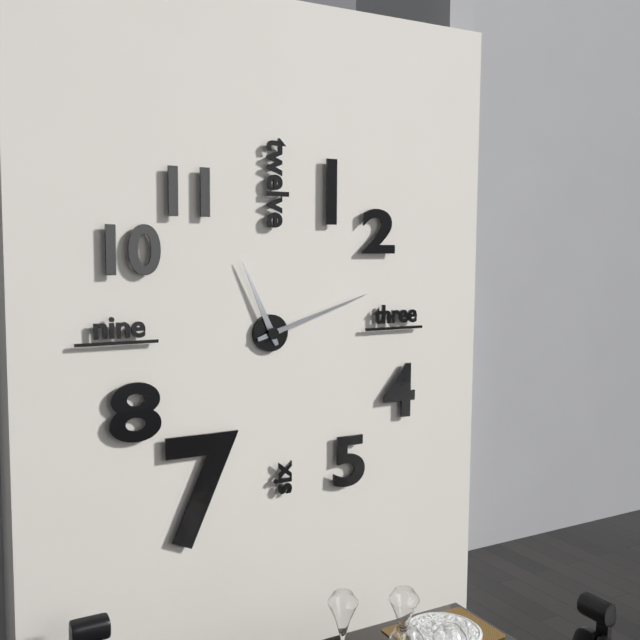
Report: h=11 m=12
